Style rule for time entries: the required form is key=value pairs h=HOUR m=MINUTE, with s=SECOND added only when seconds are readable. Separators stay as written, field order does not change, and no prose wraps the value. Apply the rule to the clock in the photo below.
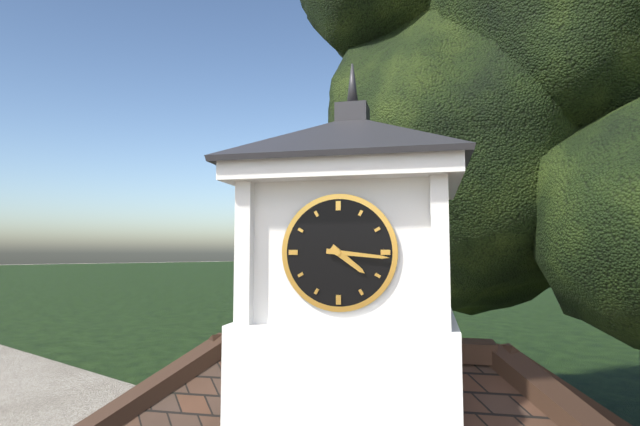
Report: h=4 m=16
